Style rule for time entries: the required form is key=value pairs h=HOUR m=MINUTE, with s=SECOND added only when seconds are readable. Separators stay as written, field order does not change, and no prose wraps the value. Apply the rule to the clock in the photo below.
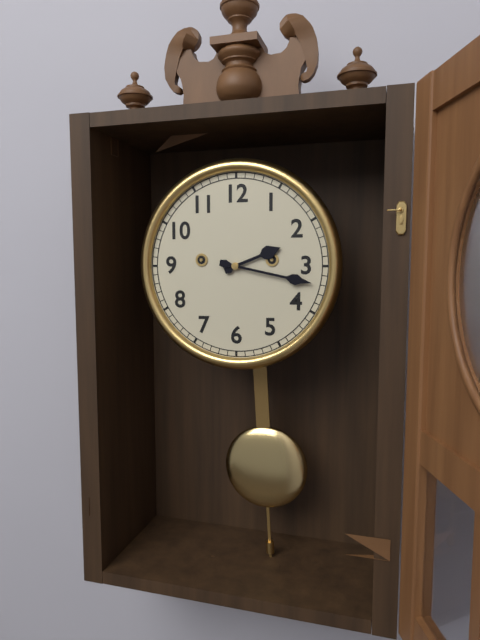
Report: h=2 m=17
